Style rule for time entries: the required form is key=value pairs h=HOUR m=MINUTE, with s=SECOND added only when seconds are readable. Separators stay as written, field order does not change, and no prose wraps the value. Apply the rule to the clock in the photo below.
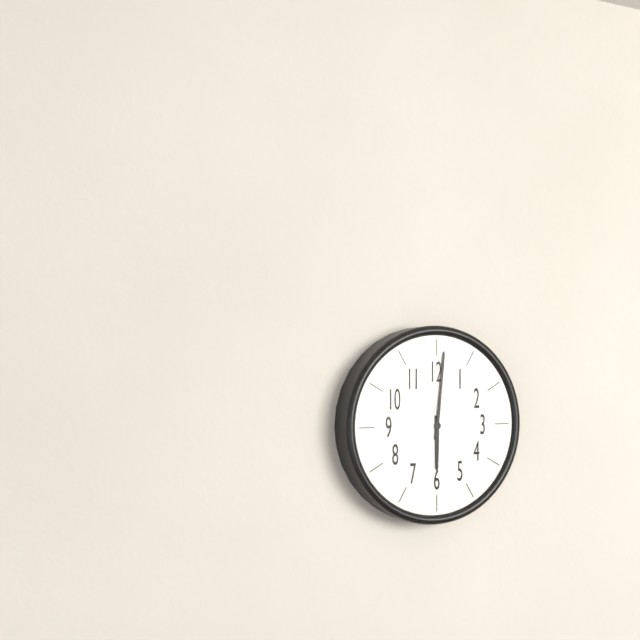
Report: h=6 m=1
